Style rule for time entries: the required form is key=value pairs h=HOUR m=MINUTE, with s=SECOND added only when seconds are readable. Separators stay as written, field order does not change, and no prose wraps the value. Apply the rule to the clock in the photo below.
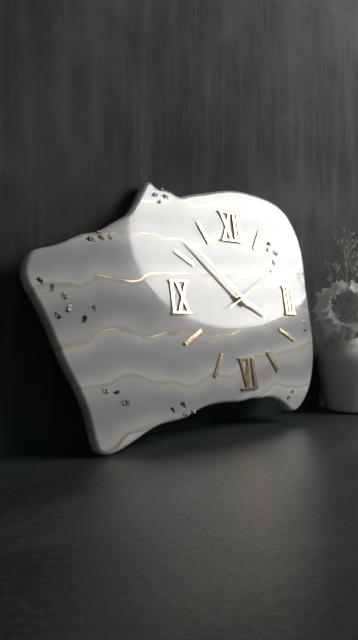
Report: h=3 m=52 s=10
